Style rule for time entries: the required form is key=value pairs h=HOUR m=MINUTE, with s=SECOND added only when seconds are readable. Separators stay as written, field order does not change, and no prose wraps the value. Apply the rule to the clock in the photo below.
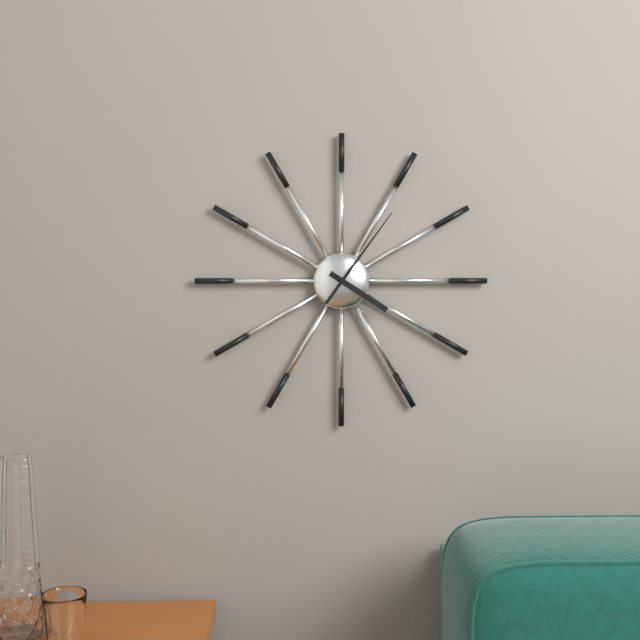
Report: h=4 m=6
